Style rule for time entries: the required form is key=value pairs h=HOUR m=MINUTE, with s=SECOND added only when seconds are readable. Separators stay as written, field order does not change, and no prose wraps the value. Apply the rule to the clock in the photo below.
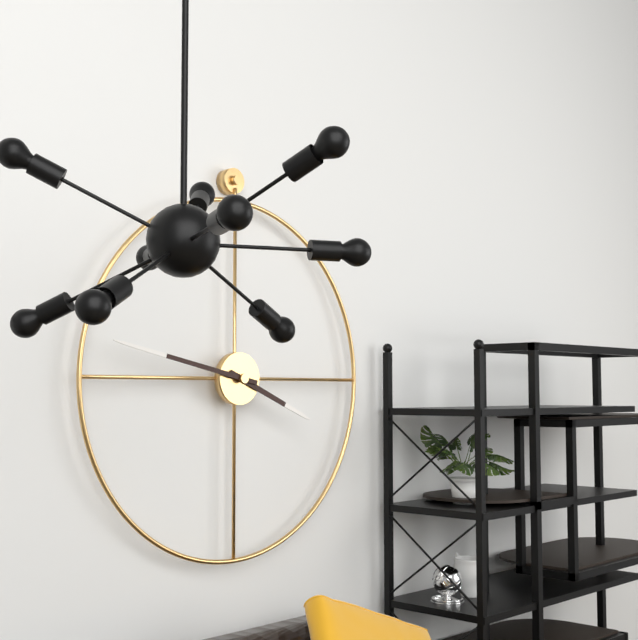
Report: h=3 m=47
